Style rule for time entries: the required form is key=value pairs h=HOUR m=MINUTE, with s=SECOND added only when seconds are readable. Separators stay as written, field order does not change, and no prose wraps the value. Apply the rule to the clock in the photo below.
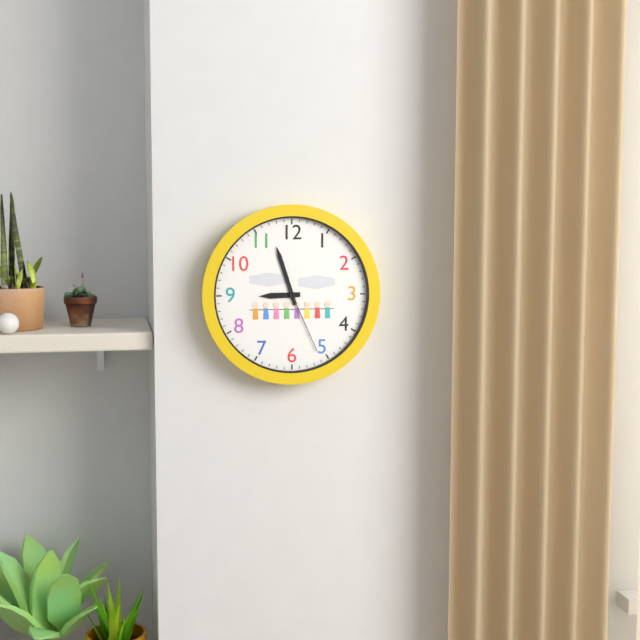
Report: h=8 m=57 s=26
